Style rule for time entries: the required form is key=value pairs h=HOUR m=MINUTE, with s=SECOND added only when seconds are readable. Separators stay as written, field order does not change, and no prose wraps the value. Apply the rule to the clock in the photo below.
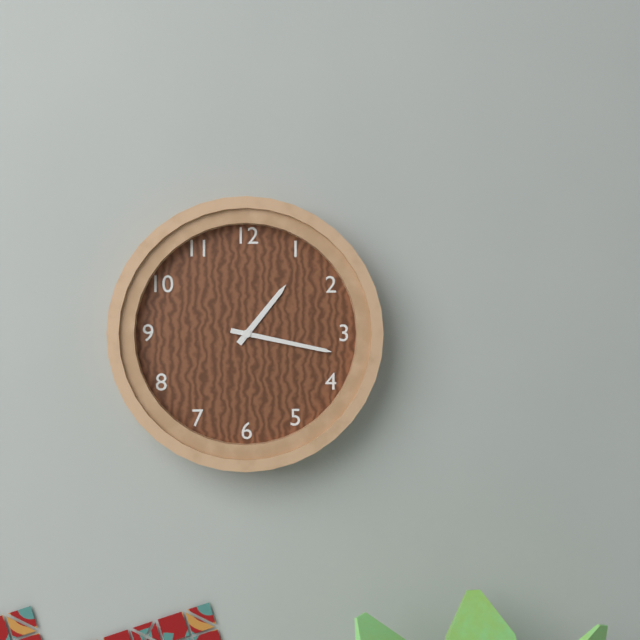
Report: h=1 m=17
